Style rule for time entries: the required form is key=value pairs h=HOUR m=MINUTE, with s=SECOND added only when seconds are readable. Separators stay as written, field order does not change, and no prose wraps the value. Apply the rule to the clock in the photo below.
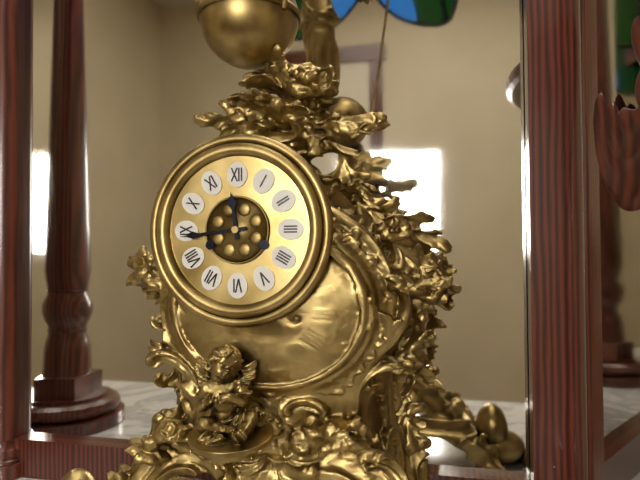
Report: h=11 m=44
